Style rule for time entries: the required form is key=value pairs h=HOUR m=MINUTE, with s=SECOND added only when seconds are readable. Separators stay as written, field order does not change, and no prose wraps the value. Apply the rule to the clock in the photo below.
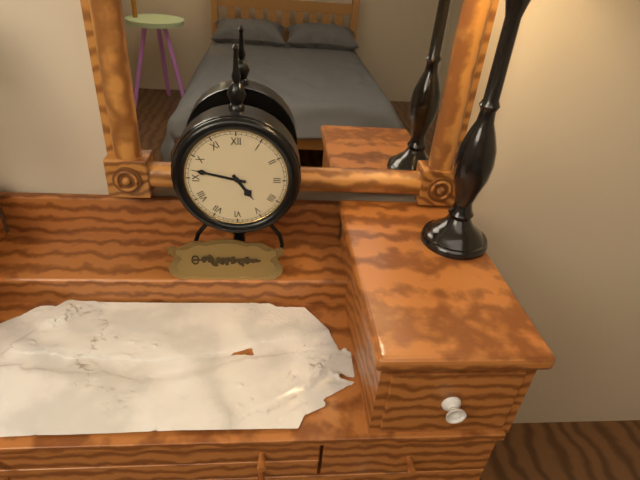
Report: h=4 m=47
